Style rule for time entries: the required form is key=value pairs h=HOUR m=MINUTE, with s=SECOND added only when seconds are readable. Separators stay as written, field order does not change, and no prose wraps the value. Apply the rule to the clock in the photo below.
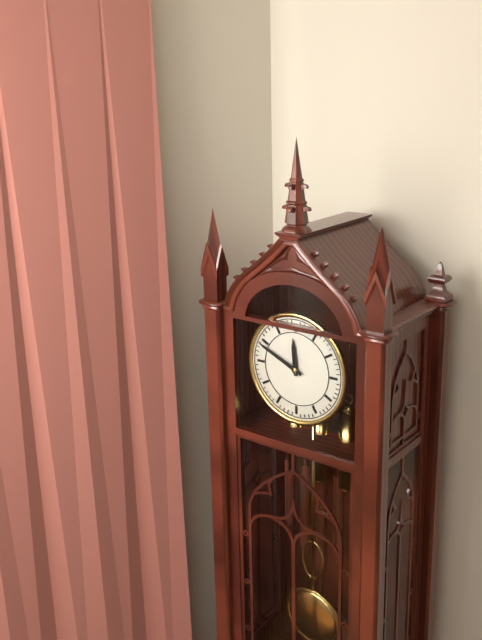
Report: h=11 m=49
